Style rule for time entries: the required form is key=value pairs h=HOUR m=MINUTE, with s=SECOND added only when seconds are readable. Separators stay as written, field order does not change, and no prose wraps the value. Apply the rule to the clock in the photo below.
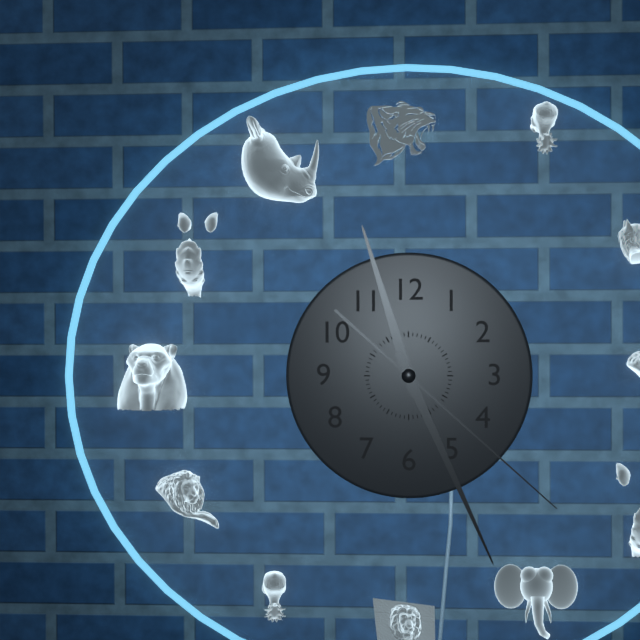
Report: h=11 m=26 s=22
